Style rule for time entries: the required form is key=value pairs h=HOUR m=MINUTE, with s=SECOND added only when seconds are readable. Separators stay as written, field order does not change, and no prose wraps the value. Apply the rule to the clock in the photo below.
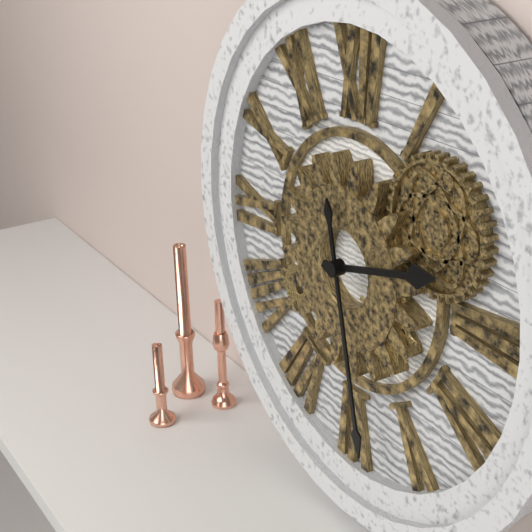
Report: h=2 m=28
